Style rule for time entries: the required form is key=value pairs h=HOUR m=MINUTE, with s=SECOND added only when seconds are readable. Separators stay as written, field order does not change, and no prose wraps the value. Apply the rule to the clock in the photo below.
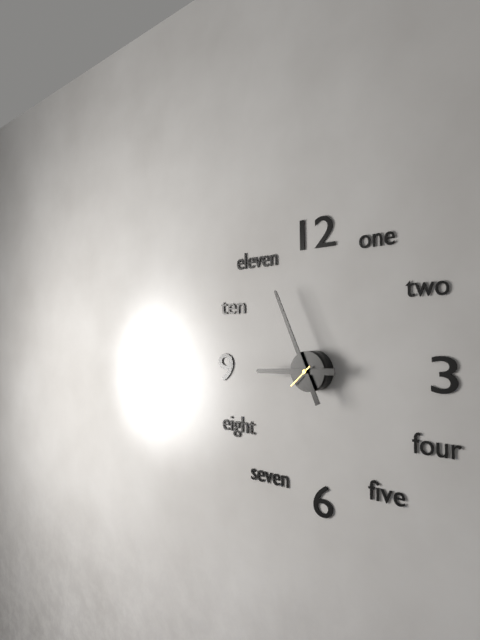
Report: h=8 m=56
